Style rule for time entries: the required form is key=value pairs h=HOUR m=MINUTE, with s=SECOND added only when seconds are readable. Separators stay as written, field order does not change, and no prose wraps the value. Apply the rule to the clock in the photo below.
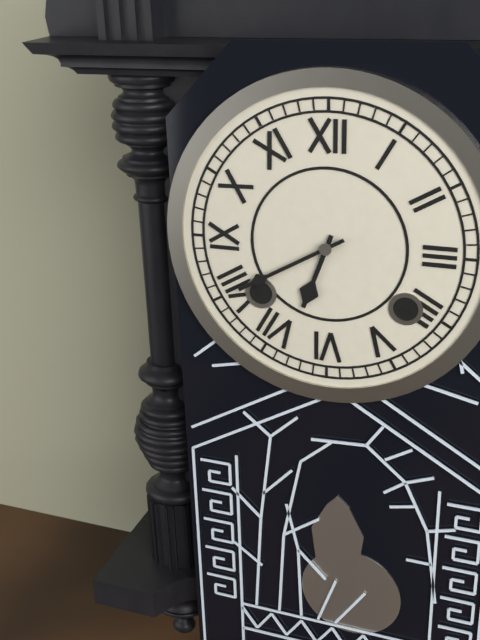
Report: h=6 m=40
